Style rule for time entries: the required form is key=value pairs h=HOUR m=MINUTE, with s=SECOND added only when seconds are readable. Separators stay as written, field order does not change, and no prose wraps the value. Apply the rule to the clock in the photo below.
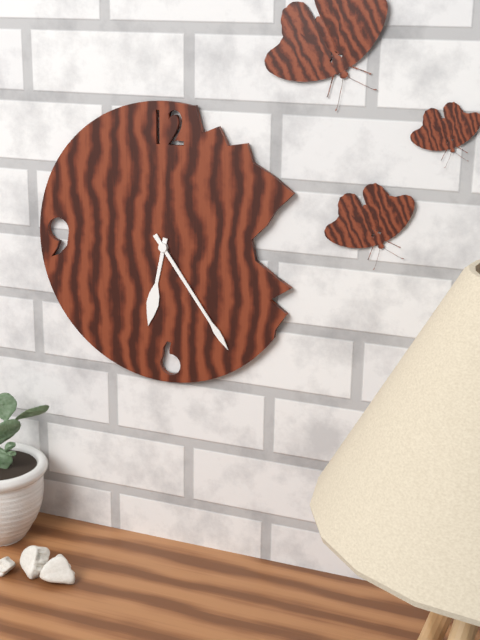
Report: h=6 m=24
